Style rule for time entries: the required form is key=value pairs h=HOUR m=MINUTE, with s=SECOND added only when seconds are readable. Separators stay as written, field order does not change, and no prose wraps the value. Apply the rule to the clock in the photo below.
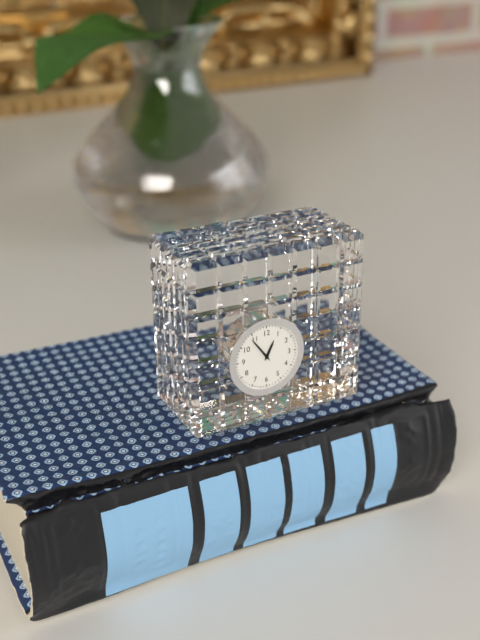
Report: h=12 m=54
